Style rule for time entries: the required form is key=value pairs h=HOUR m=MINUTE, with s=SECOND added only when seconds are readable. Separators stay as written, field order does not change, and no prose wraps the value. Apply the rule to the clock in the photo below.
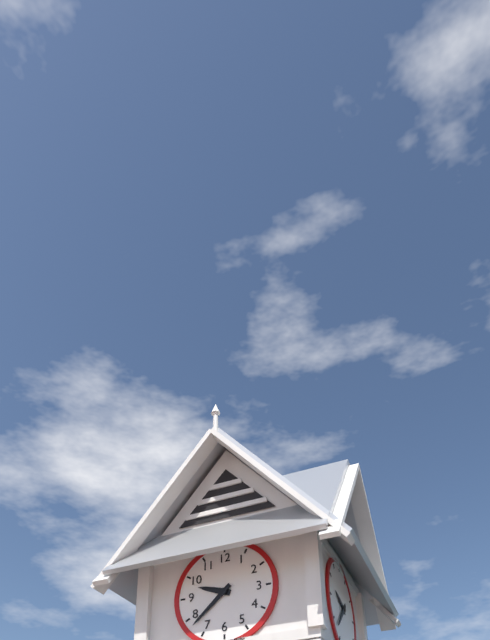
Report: h=9 m=38
